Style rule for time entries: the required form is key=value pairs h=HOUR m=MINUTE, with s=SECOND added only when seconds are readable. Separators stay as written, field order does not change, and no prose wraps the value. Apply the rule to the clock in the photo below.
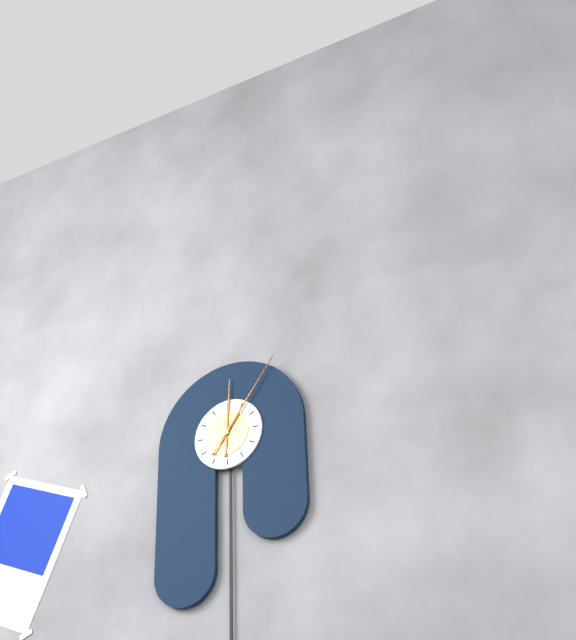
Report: h=12 m=6
